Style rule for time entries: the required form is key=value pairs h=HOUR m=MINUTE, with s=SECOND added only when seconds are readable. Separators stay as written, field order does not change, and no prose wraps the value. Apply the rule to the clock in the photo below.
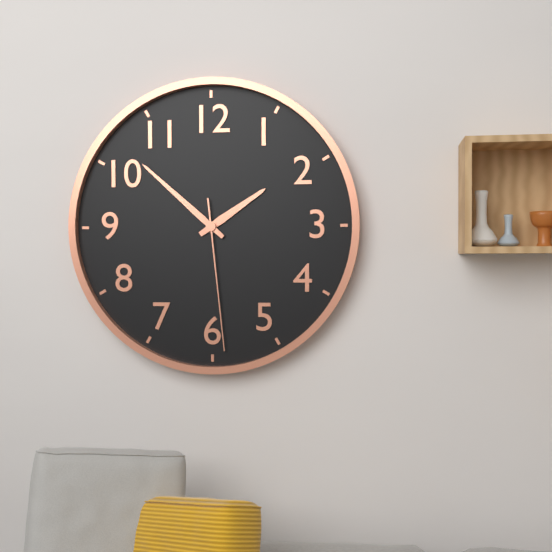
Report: h=1 m=52 s=29
